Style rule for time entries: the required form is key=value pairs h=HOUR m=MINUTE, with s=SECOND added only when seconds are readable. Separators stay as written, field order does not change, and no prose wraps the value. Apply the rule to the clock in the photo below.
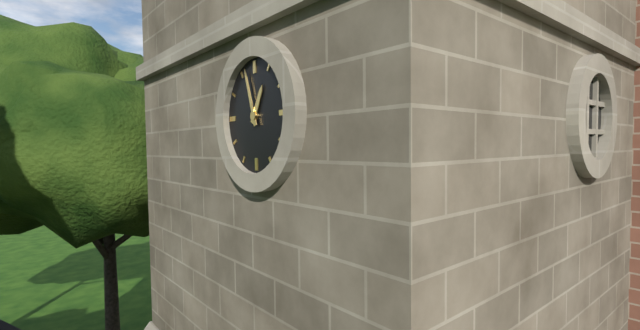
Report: h=12 m=57
